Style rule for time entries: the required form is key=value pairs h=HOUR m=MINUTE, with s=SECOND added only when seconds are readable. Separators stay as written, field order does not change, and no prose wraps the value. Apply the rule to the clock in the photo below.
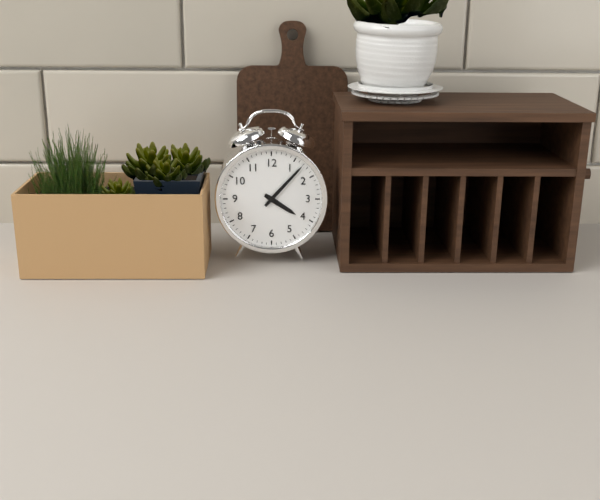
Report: h=4 m=7
